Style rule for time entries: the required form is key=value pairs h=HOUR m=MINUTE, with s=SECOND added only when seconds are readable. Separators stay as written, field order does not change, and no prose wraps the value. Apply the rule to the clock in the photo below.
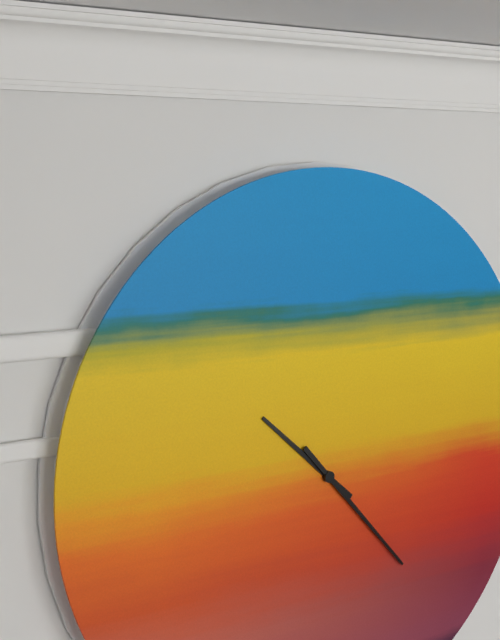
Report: h=10 m=23
